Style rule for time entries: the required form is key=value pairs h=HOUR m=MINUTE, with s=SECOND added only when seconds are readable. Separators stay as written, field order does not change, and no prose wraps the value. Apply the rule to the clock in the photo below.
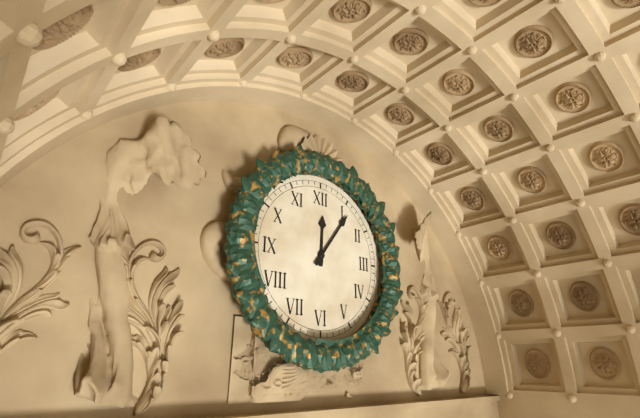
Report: h=12 m=6
